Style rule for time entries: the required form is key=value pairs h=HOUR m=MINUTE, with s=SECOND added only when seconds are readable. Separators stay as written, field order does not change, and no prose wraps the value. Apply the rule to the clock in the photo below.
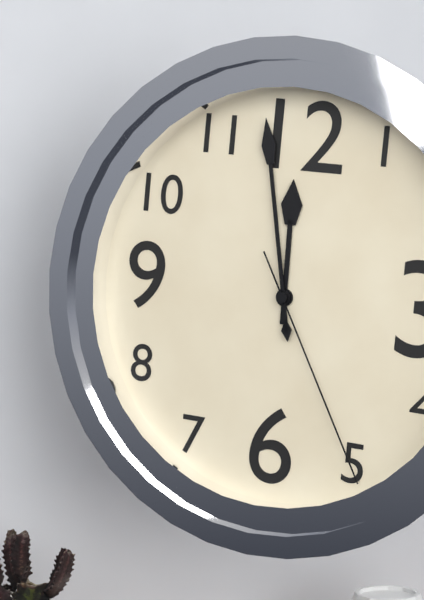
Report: h=11 m=58 s=25
